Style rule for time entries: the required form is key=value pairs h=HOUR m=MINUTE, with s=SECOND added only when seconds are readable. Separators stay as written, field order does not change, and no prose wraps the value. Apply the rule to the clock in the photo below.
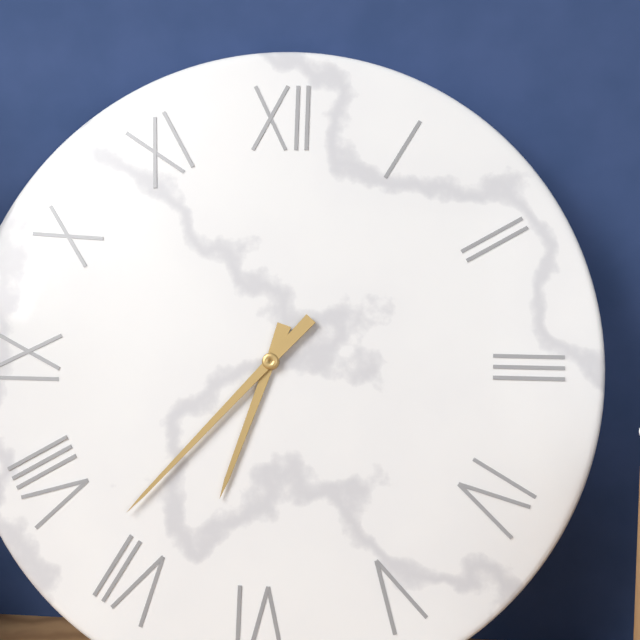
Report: h=6 m=37
